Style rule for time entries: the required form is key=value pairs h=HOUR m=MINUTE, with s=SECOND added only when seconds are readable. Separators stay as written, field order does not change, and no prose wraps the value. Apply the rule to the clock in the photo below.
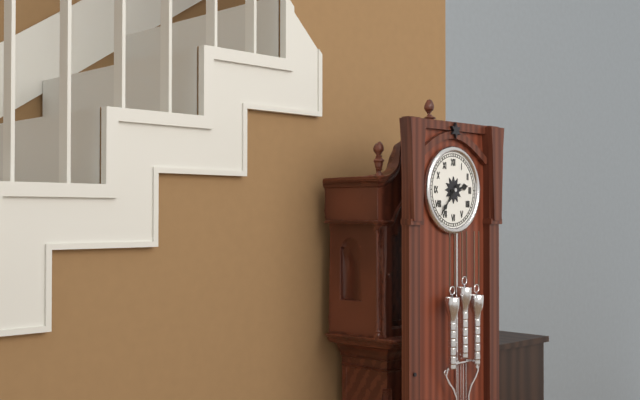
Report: h=2 m=37
